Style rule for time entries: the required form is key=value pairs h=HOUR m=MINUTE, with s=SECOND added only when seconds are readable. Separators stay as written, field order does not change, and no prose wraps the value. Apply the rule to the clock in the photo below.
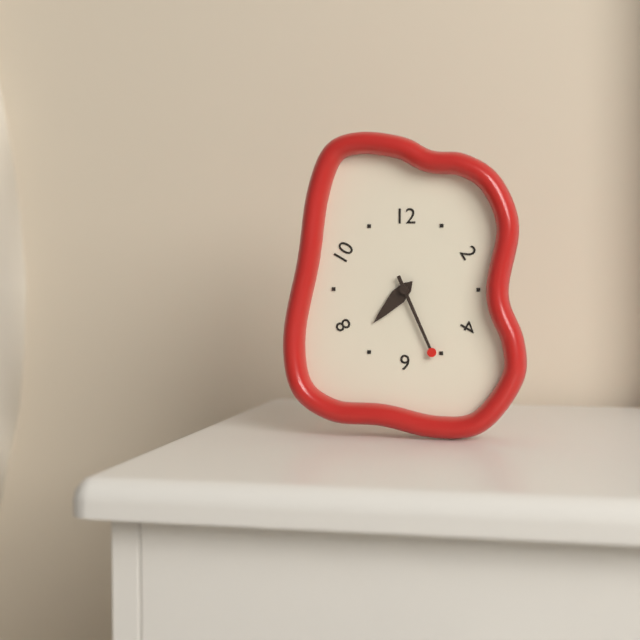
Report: h=7 m=26
